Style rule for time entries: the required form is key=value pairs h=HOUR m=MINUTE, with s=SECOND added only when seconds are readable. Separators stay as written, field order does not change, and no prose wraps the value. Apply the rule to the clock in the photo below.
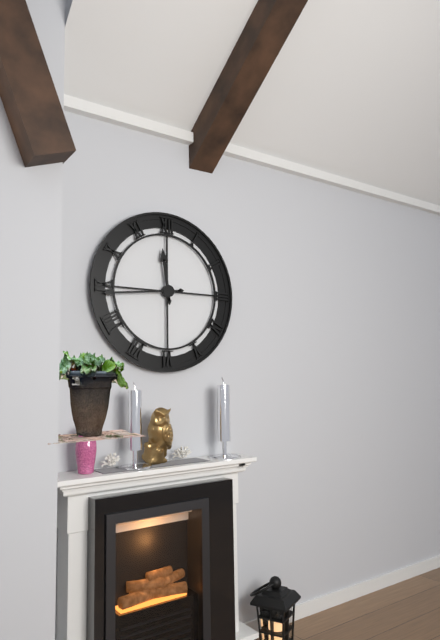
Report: h=11 m=44
